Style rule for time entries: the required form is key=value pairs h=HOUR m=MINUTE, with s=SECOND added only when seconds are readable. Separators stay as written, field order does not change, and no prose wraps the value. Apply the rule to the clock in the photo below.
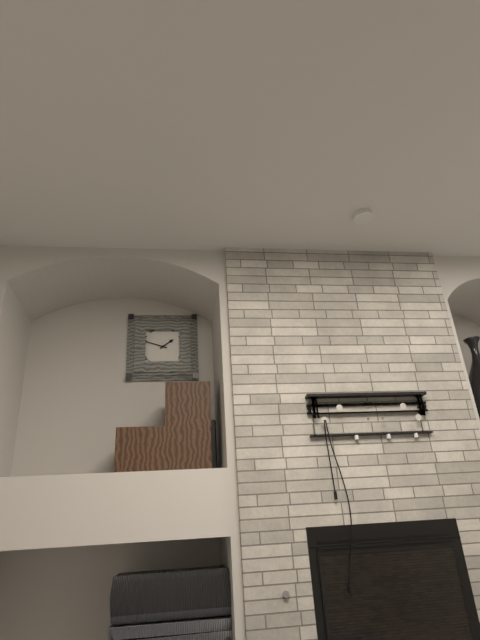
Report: h=1 m=48
